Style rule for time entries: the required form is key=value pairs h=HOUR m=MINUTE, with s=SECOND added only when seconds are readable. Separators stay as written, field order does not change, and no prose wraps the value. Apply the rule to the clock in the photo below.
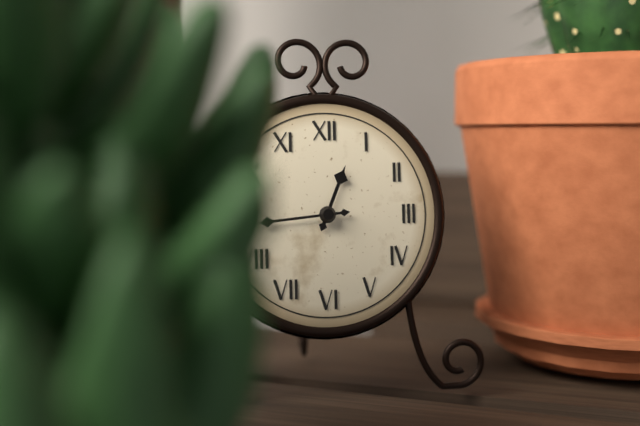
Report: h=12 m=44
